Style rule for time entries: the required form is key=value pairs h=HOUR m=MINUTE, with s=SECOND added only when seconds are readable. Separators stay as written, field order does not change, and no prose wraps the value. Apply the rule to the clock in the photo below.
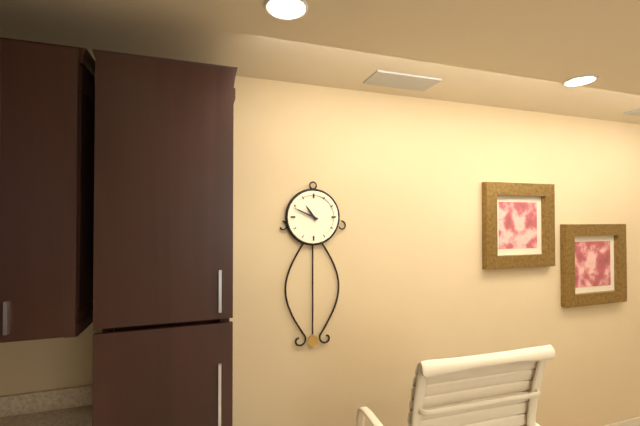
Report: h=10 m=49
